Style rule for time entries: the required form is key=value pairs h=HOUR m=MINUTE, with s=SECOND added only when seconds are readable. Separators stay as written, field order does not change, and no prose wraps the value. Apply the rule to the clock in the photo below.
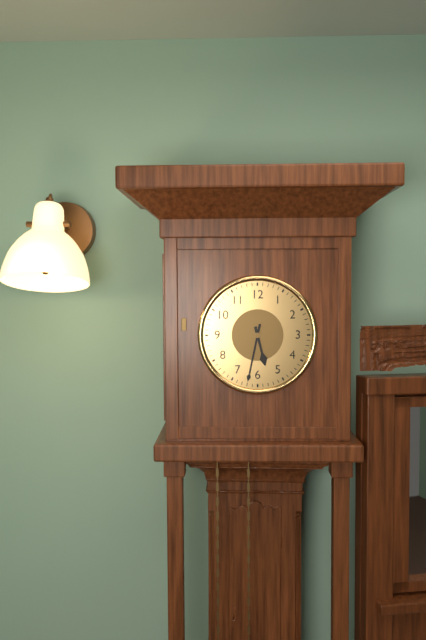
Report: h=5 m=32
